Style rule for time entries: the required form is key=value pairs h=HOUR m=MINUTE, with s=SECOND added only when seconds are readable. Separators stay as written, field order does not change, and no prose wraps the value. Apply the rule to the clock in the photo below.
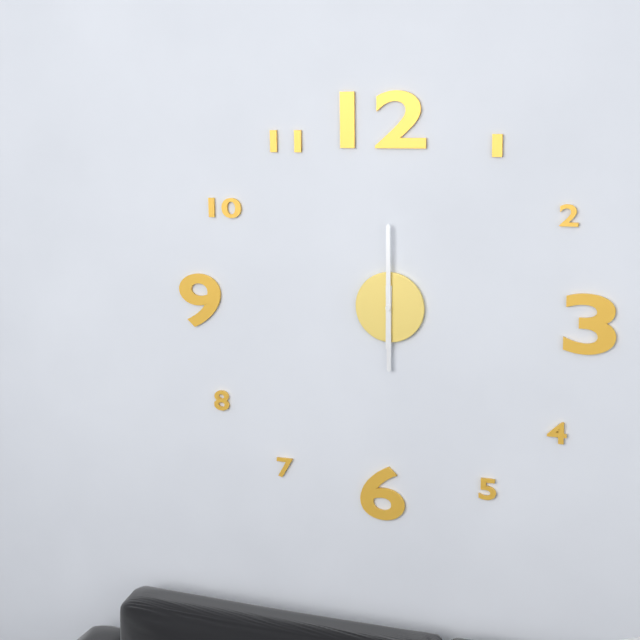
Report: h=6 m=0
